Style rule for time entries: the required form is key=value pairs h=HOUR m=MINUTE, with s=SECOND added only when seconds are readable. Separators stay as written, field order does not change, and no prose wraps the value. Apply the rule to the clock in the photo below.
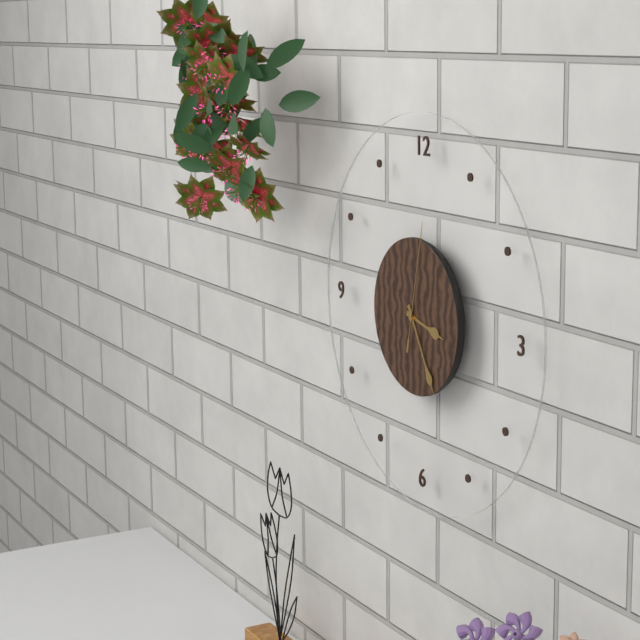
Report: h=3 m=25 s=2
